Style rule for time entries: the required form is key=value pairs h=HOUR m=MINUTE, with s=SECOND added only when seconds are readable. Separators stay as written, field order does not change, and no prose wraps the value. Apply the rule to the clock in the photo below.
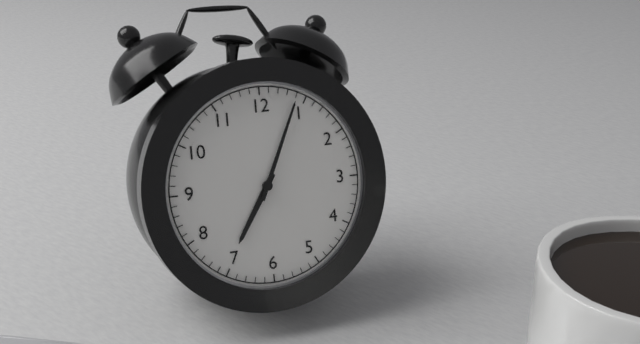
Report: h=7 m=4
